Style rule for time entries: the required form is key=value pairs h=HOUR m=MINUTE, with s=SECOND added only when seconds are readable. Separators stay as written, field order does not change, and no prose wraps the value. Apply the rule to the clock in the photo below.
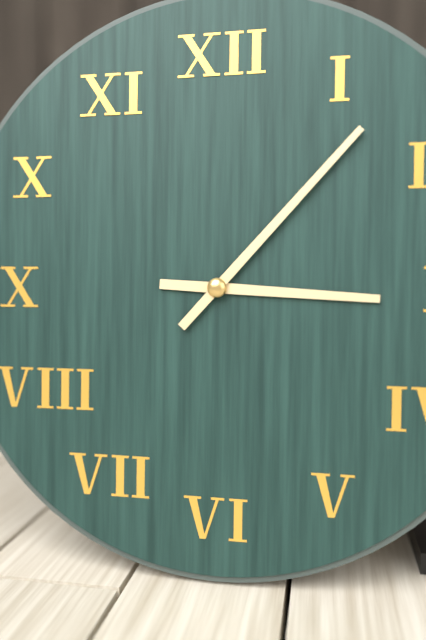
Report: h=3 m=7
